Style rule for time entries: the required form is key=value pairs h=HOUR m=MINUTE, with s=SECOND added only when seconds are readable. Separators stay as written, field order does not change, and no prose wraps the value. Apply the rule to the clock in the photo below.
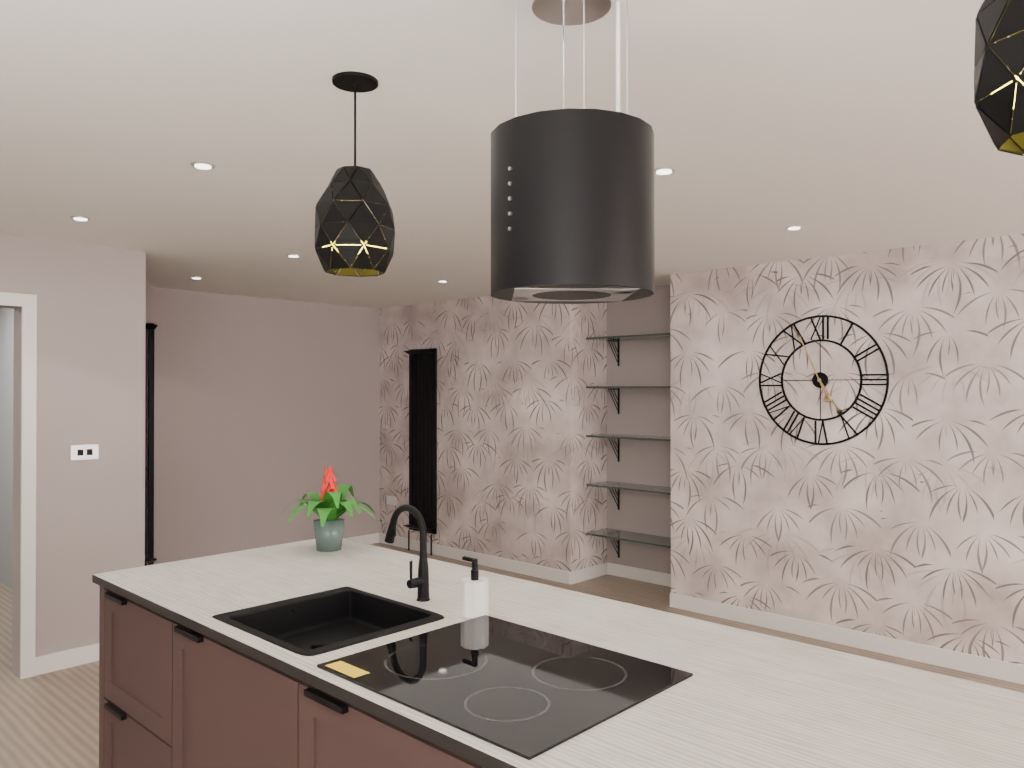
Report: h=4 m=56
